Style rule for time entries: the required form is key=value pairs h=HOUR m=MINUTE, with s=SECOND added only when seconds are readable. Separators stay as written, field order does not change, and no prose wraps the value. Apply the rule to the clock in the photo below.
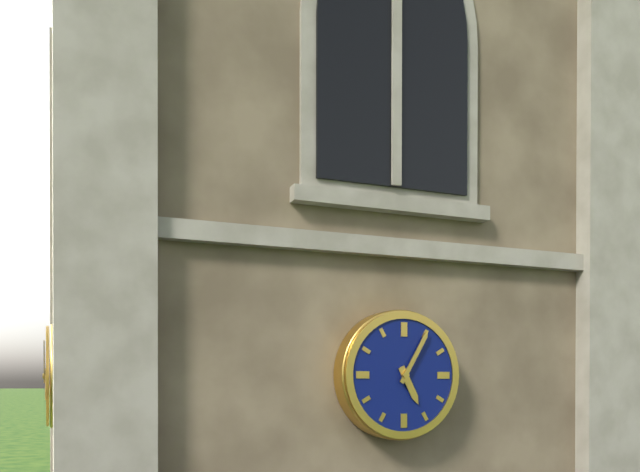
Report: h=5 m=5
